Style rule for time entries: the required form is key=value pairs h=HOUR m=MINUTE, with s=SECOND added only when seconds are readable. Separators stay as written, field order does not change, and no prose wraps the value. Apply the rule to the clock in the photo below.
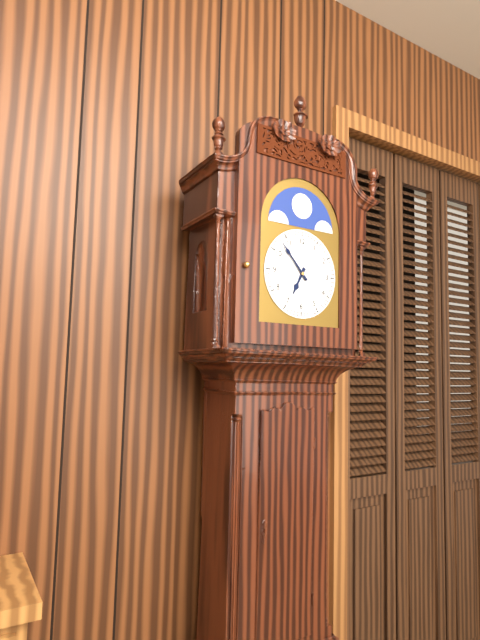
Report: h=6 m=53
